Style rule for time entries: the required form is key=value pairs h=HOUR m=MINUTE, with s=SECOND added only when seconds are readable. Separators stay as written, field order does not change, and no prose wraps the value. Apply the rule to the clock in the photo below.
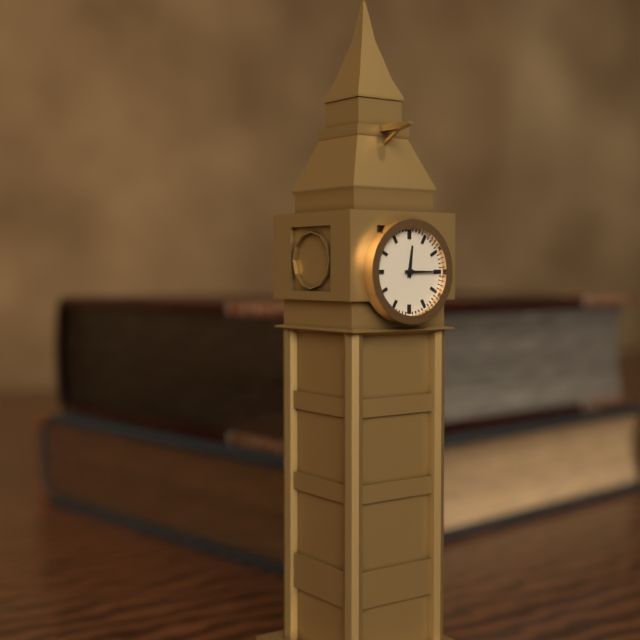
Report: h=12 m=15
